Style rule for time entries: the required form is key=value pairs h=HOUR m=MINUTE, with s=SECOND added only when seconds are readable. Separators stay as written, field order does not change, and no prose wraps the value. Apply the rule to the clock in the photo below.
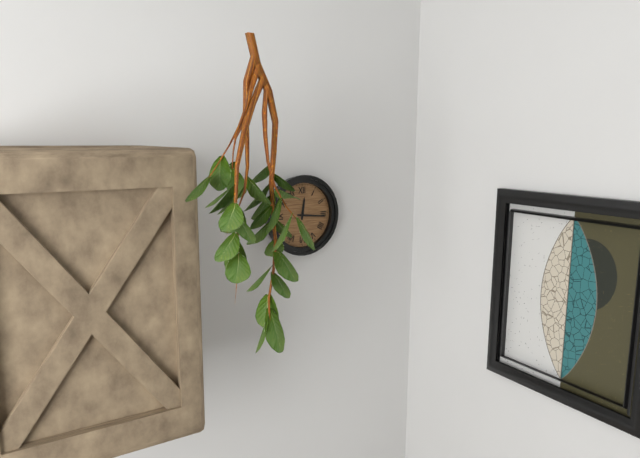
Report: h=12 m=16
